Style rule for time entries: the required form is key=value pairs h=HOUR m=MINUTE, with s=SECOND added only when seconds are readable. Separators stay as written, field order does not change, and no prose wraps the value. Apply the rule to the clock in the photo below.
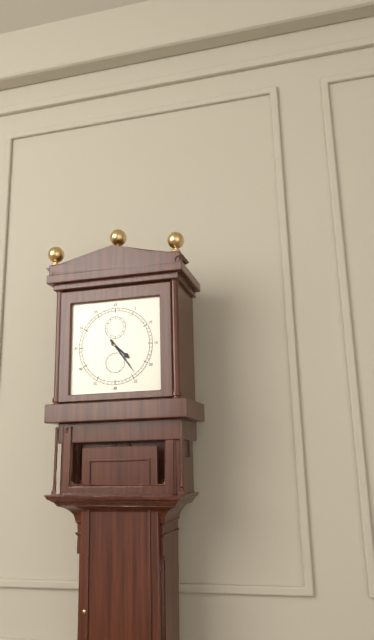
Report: h=4 m=24
